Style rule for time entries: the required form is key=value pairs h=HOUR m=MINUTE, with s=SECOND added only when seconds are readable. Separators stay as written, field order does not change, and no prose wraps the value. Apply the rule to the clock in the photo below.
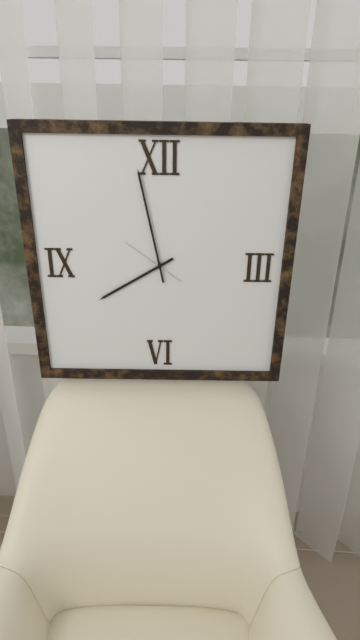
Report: h=7 m=58 s=51
